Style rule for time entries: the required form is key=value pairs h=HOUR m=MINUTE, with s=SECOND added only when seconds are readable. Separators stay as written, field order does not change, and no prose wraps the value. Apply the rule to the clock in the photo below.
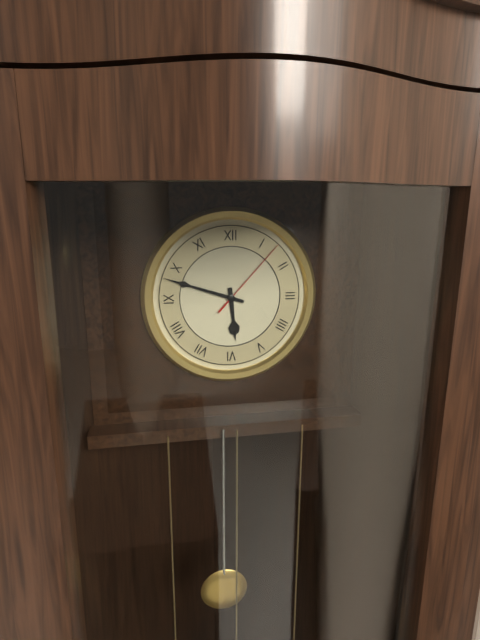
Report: h=5 m=48 s=7
